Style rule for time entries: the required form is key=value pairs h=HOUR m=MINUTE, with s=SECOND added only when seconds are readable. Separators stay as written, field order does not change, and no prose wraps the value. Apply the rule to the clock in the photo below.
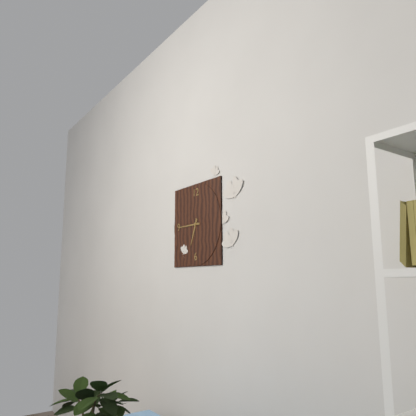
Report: h=6 m=45
